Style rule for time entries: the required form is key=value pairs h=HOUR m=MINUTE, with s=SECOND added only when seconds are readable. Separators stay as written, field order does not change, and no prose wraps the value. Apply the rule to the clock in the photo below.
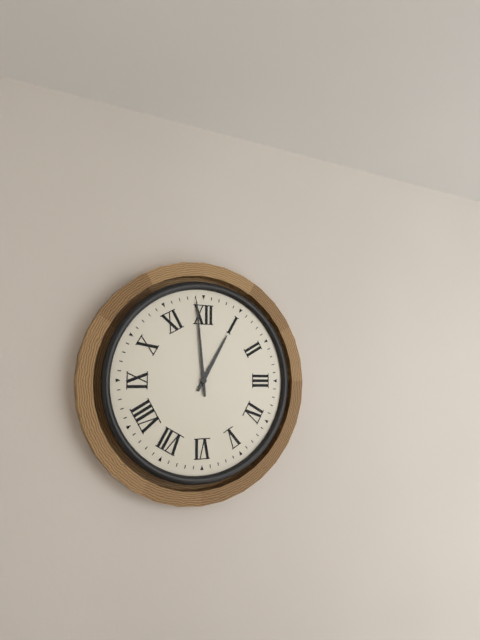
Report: h=12 m=59
